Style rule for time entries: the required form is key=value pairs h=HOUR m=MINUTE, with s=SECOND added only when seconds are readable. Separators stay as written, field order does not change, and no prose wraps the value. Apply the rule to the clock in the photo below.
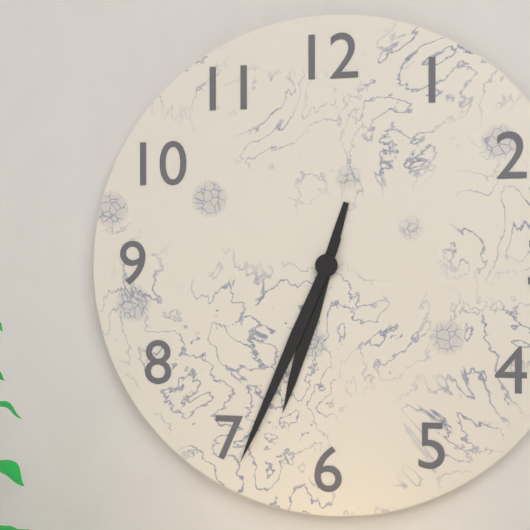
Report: h=6 m=34
